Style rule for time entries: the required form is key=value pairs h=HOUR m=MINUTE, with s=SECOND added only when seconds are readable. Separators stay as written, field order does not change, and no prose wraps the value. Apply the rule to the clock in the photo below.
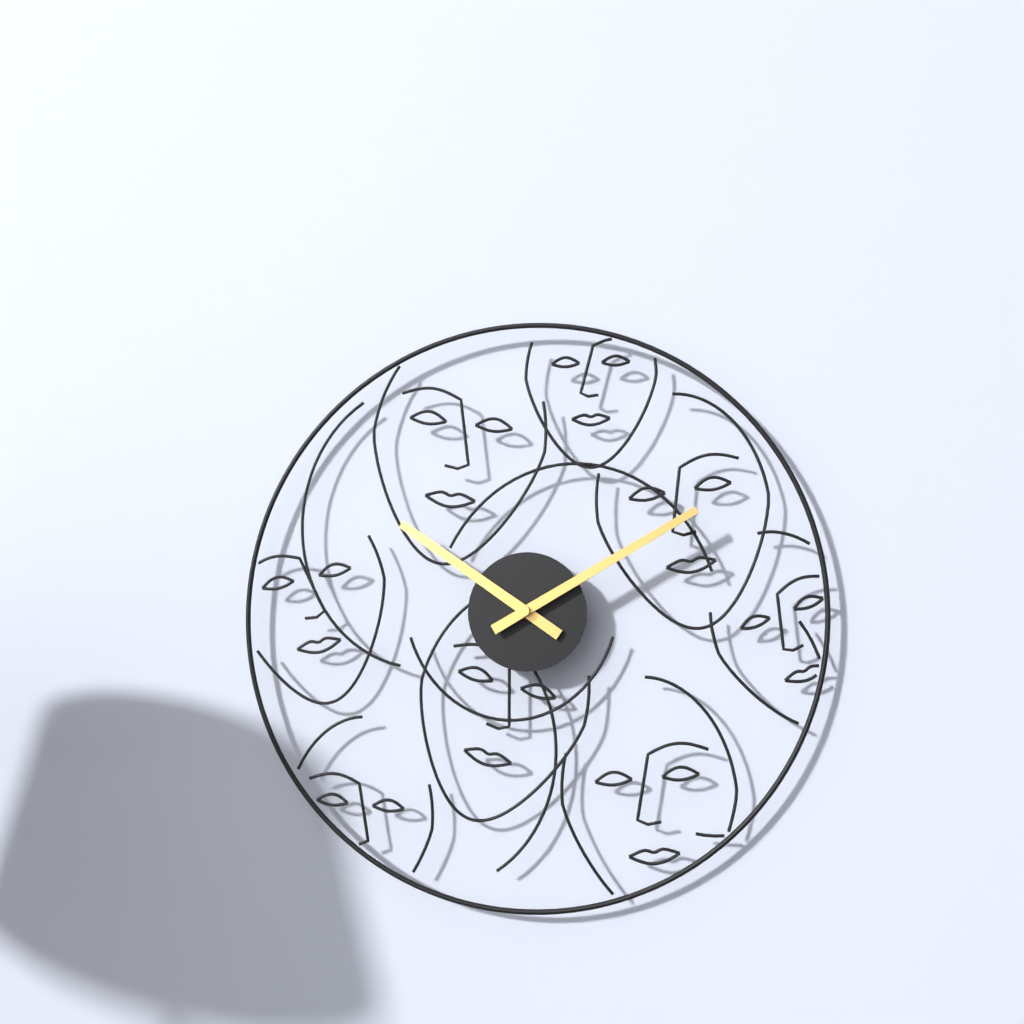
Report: h=10 m=10
